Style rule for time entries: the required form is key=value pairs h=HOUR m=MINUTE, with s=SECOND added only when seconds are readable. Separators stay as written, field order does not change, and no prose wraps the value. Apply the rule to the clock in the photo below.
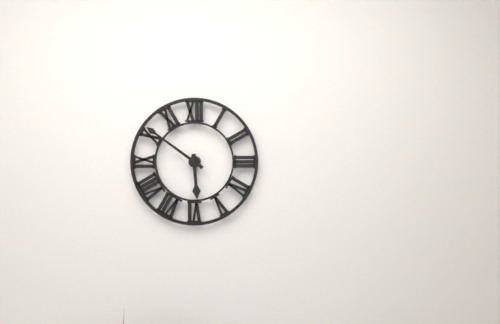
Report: h=5 m=51
